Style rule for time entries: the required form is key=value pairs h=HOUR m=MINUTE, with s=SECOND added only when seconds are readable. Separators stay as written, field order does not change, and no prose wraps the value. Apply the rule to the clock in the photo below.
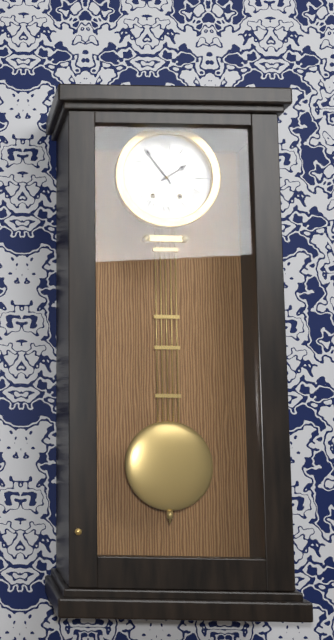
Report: h=1 m=54
